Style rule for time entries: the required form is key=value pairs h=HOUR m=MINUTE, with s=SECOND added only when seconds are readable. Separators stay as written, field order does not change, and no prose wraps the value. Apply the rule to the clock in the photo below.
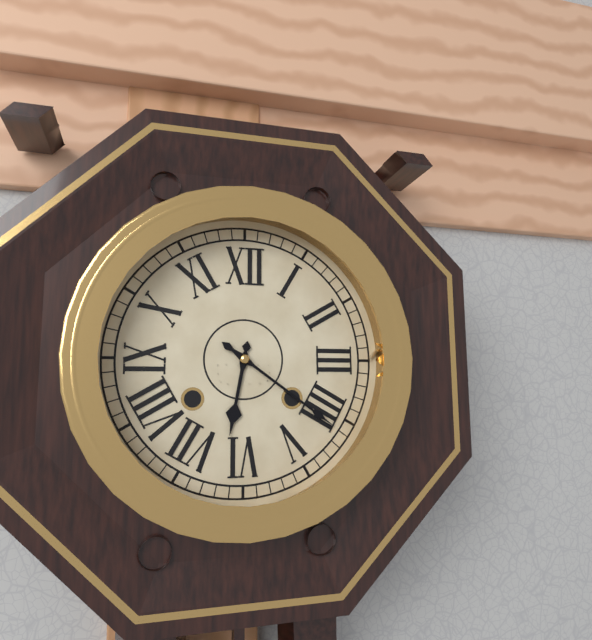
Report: h=6 m=21
